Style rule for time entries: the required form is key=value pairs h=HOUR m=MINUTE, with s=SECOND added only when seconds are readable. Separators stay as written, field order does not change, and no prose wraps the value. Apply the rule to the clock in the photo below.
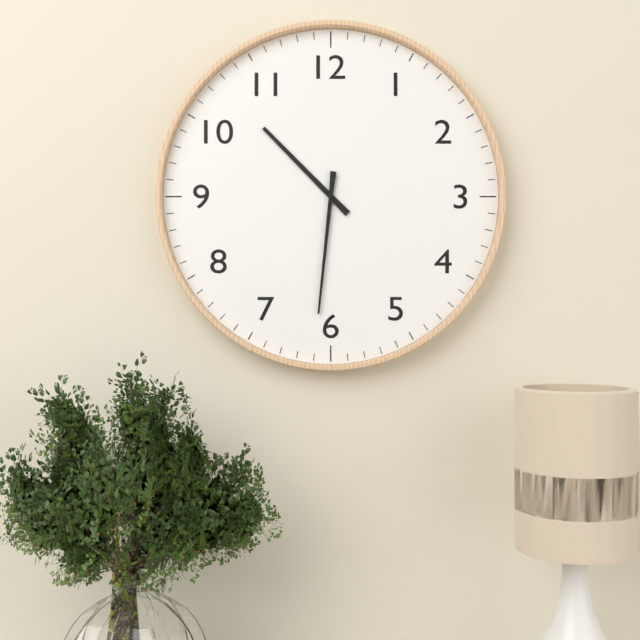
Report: h=10 m=31
